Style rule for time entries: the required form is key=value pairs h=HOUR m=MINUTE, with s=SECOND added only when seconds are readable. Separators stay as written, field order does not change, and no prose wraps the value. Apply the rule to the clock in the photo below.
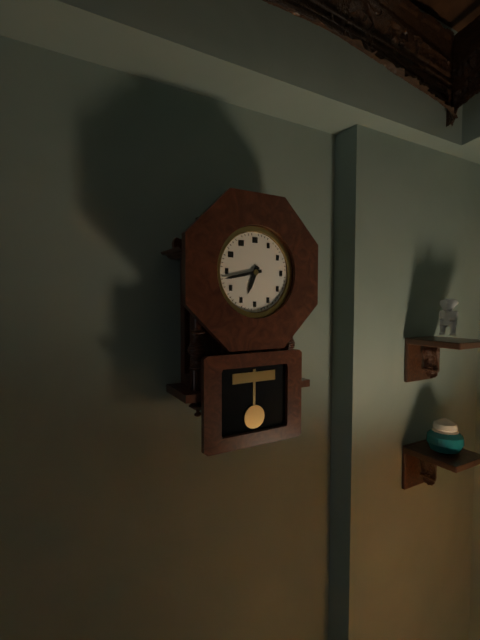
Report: h=6 m=43
